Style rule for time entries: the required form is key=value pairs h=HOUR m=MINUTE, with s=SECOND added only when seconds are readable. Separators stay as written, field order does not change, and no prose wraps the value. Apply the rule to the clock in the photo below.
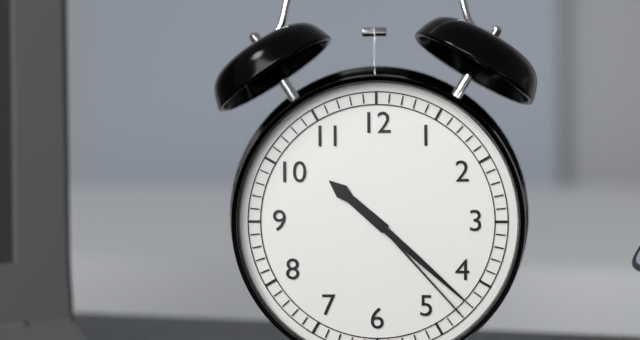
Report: h=10 m=22 s=23
